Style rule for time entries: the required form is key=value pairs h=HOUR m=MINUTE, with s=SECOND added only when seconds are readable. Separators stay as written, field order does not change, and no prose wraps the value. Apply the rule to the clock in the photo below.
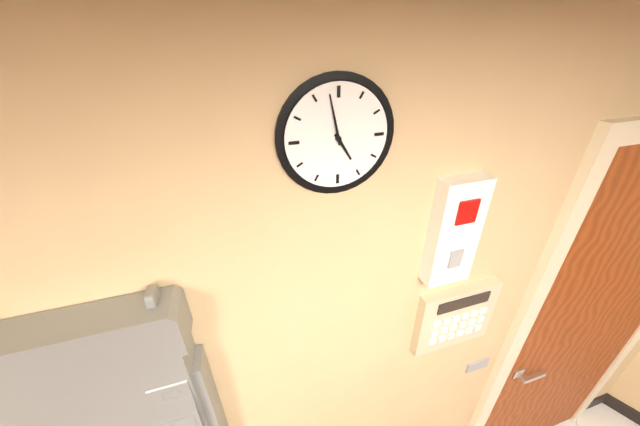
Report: h=4 m=58
